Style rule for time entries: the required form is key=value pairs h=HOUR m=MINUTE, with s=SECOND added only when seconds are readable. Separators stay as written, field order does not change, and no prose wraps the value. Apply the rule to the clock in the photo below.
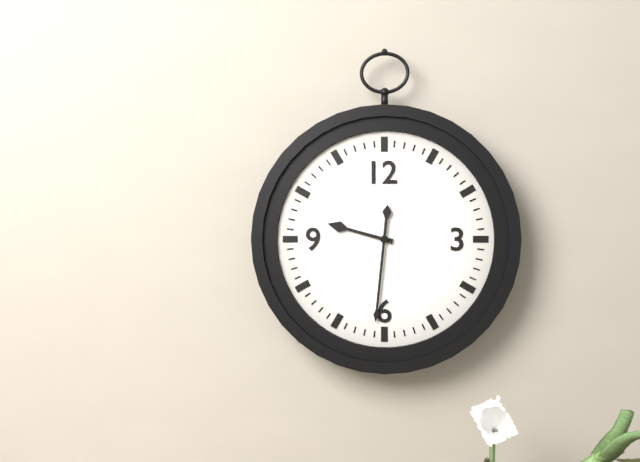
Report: h=9 m=31
